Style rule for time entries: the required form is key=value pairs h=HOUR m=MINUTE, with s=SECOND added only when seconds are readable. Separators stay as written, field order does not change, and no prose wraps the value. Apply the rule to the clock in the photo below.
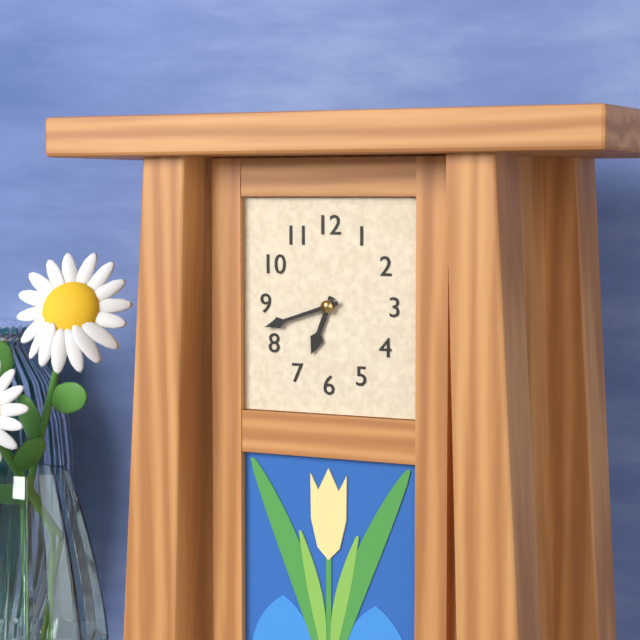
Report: h=6 m=42
